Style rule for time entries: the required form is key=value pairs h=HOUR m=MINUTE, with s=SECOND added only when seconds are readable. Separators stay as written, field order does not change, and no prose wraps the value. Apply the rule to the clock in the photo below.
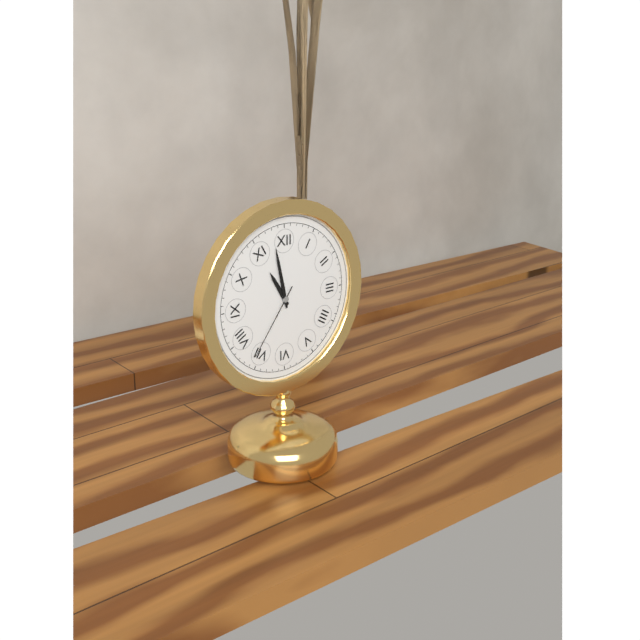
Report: h=10 m=58 s=36
